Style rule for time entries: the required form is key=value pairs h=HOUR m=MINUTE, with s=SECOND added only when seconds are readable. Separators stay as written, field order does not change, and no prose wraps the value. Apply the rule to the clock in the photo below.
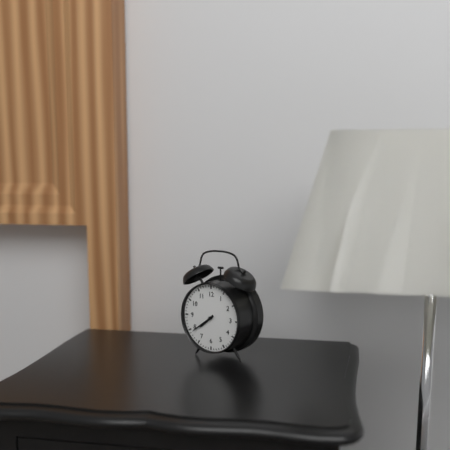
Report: h=7 m=39
